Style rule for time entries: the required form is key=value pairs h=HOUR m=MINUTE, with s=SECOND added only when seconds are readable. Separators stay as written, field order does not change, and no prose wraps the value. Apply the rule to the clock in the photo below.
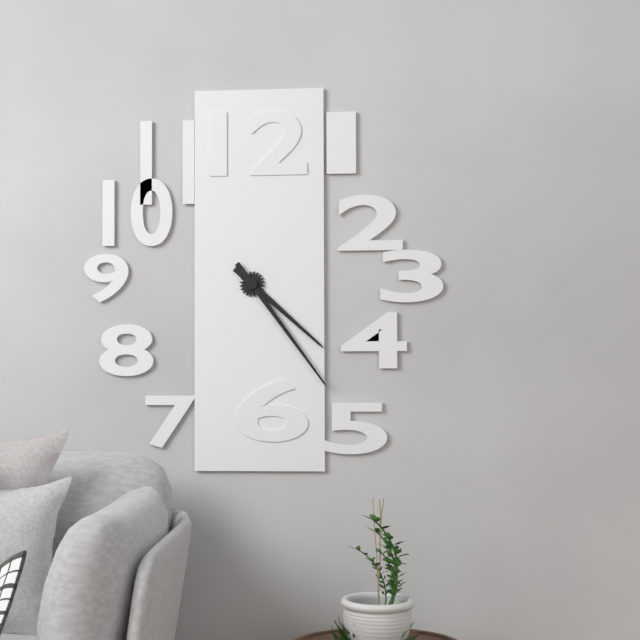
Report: h=4 m=24
